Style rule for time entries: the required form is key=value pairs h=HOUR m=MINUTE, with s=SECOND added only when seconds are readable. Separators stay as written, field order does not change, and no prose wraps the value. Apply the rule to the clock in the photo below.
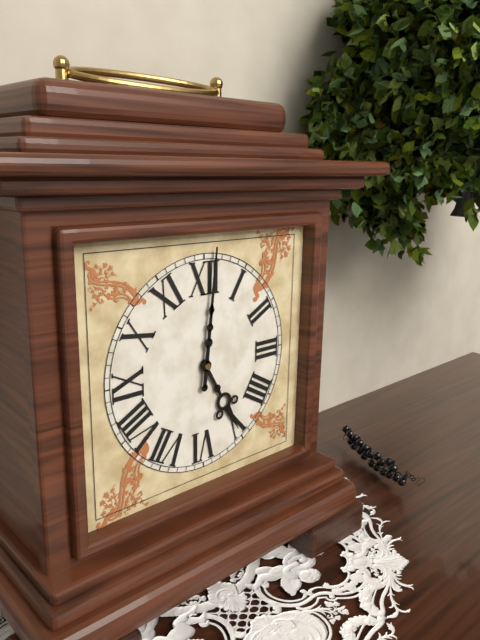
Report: h=5 m=1
